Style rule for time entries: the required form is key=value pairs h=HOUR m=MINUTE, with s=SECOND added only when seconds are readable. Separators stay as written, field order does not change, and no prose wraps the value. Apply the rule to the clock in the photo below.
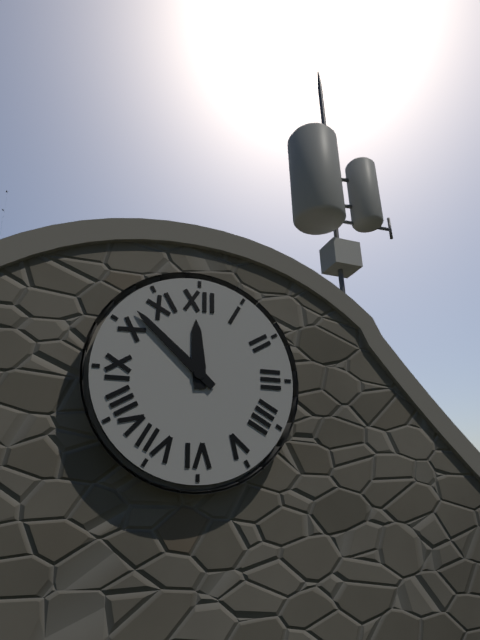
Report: h=11 m=52
